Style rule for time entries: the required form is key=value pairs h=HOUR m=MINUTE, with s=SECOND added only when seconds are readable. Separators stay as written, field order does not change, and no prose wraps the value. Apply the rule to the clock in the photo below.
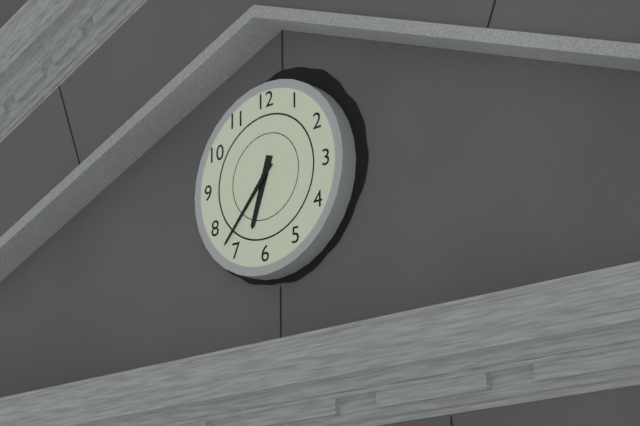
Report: h=6 m=37
